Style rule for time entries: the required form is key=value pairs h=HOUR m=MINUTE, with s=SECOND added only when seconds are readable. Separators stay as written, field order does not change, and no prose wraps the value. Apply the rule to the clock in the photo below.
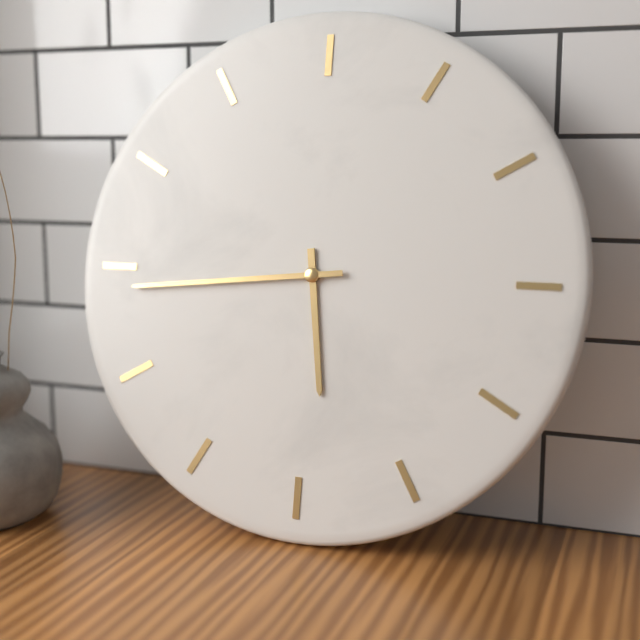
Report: h=5 m=44
